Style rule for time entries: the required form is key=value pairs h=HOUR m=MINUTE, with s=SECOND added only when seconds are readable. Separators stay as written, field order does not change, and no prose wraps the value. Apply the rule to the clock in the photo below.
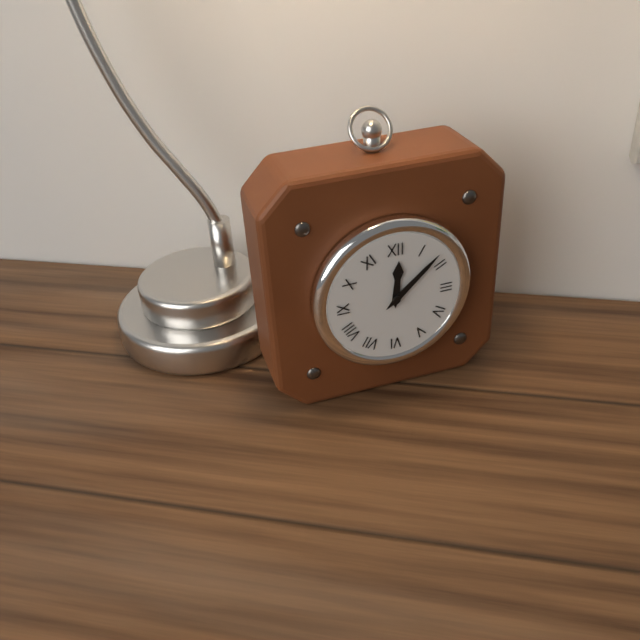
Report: h=12 m=8
